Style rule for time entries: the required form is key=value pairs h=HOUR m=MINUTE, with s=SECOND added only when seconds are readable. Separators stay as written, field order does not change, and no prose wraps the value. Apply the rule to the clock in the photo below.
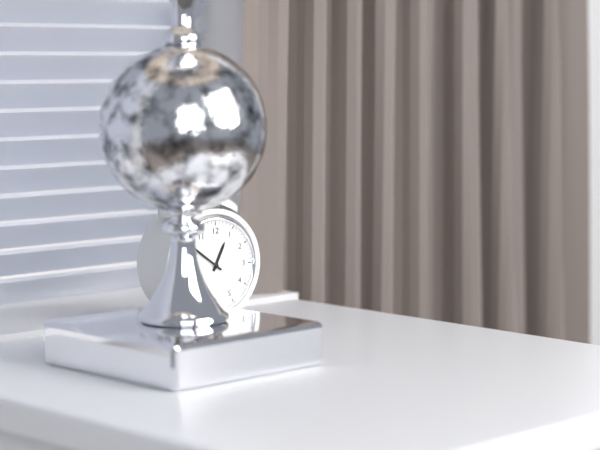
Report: h=12 m=51
